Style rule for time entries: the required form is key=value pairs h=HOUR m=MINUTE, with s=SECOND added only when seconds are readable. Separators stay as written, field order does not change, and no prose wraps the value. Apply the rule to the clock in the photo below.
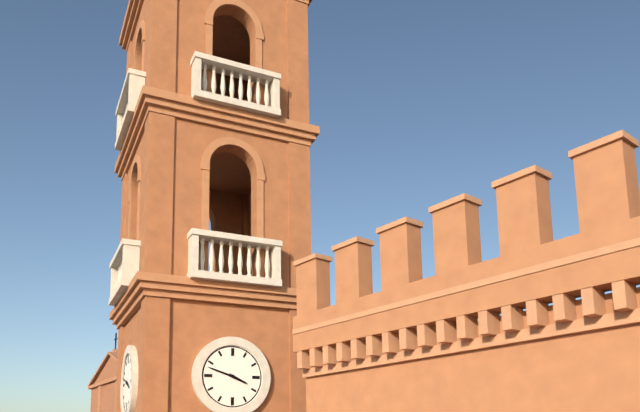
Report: h=3 m=48
